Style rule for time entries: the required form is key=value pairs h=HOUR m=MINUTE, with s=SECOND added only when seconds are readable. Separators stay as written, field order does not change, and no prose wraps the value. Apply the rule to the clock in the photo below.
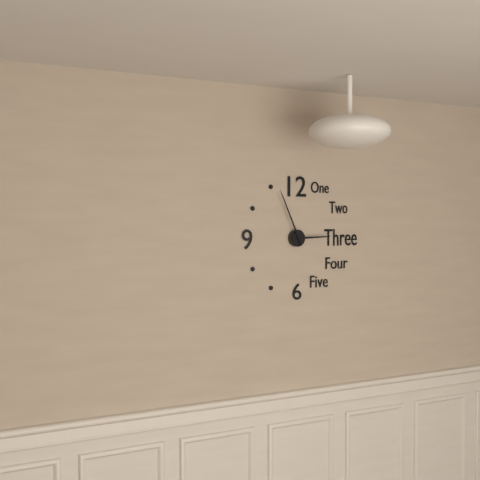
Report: h=2 m=56
